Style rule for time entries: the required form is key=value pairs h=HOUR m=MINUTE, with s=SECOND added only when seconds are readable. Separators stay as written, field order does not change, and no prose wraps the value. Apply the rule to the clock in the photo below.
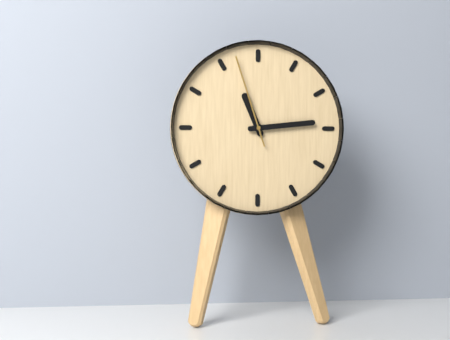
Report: h=11 m=14 s=57
